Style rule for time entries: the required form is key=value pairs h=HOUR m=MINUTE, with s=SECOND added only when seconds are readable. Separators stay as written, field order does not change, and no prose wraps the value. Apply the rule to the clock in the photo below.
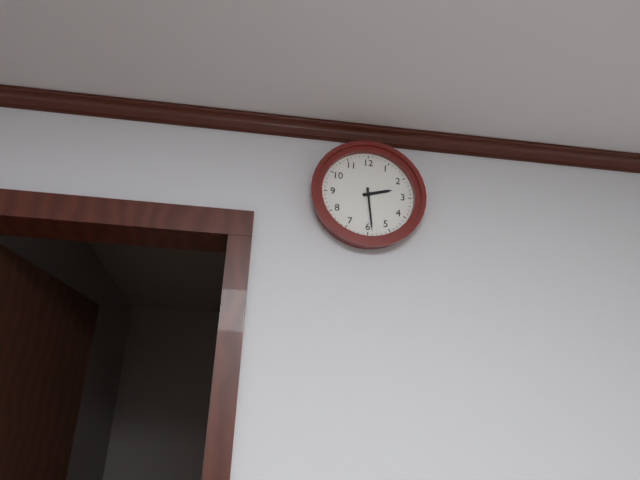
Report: h=2 m=29
